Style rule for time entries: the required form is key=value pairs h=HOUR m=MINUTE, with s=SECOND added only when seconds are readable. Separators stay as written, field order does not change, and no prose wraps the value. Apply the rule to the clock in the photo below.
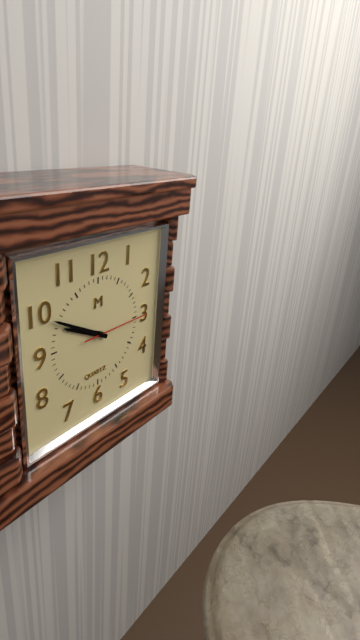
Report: h=9 m=50 s=15
